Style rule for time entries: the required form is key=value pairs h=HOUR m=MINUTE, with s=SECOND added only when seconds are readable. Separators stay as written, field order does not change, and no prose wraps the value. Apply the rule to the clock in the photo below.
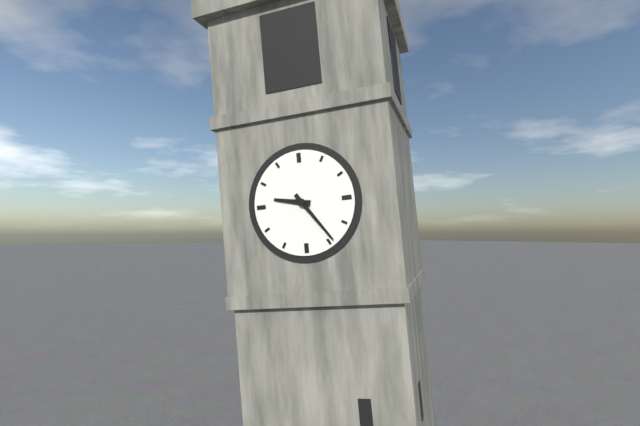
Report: h=9 m=24
